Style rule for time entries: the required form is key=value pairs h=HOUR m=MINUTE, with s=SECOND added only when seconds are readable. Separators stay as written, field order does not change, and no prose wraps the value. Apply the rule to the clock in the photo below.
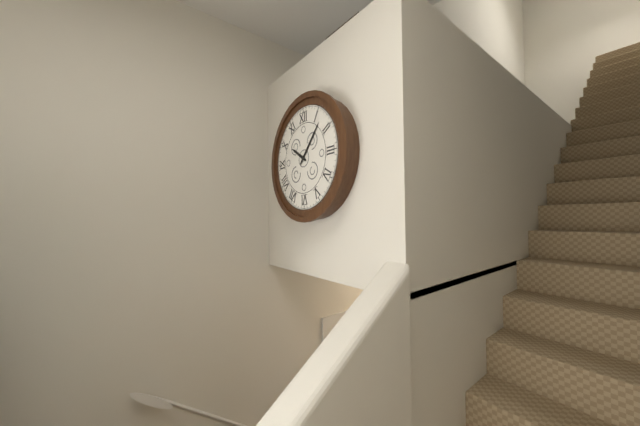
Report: h=10 m=7
